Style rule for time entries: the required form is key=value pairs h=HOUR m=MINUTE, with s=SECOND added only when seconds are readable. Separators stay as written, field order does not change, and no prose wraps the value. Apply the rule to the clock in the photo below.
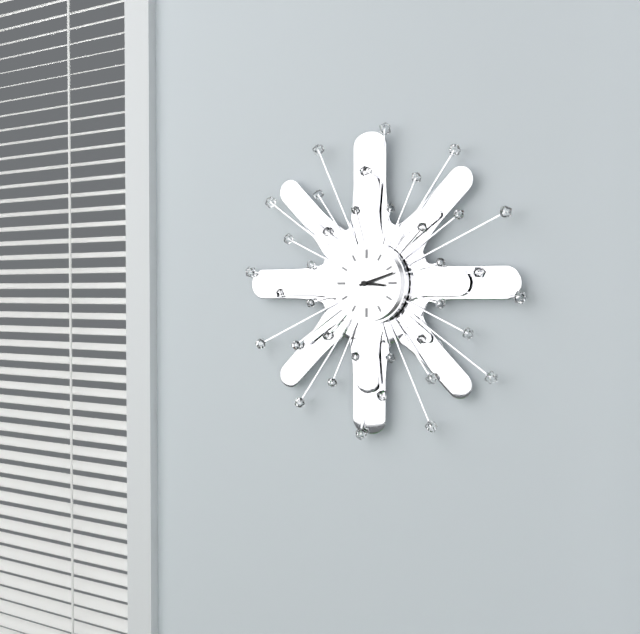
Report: h=3 m=12
